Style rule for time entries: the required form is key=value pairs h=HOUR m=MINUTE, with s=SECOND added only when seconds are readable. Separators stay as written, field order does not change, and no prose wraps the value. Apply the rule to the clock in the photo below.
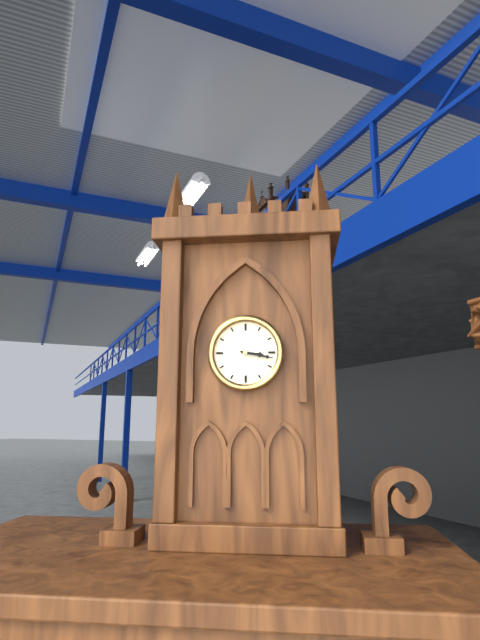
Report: h=3 m=17
